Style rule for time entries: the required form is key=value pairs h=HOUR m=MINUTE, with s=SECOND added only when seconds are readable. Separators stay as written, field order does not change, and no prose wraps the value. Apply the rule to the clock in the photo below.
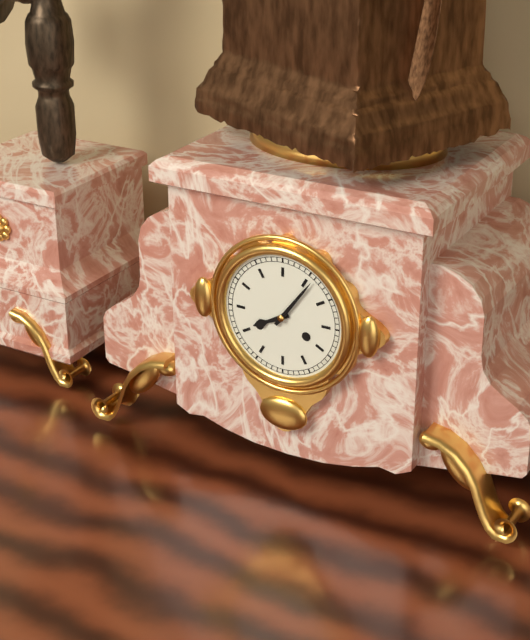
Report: h=8 m=6
